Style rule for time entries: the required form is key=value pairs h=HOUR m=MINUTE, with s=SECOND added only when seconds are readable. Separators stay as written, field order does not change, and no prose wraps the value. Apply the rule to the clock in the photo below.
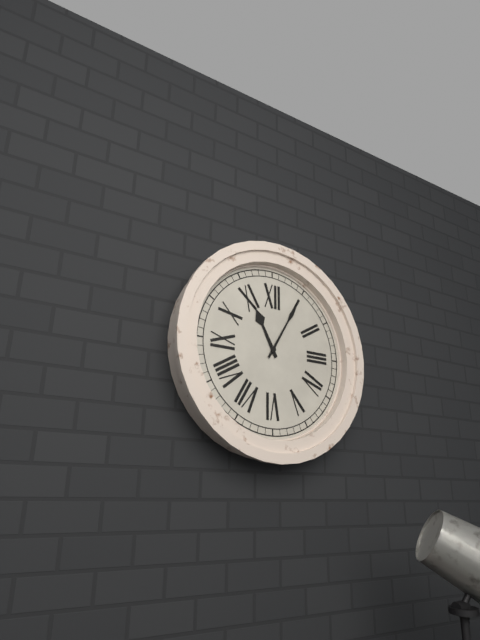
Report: h=11 m=5
